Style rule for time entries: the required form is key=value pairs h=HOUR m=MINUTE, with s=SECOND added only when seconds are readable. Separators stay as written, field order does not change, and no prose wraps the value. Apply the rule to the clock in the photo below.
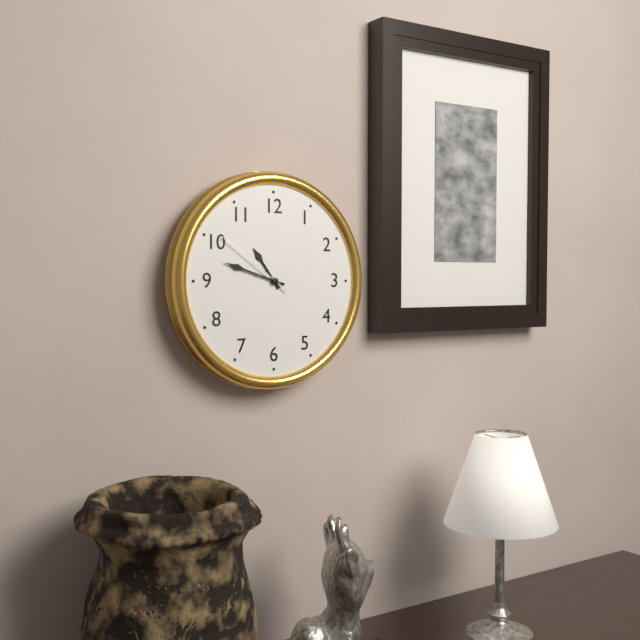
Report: h=10 m=48 s=51
